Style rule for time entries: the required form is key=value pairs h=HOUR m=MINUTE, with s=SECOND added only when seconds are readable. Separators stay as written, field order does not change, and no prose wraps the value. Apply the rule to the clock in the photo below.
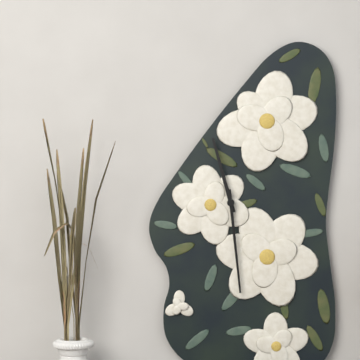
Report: h=11 m=29
